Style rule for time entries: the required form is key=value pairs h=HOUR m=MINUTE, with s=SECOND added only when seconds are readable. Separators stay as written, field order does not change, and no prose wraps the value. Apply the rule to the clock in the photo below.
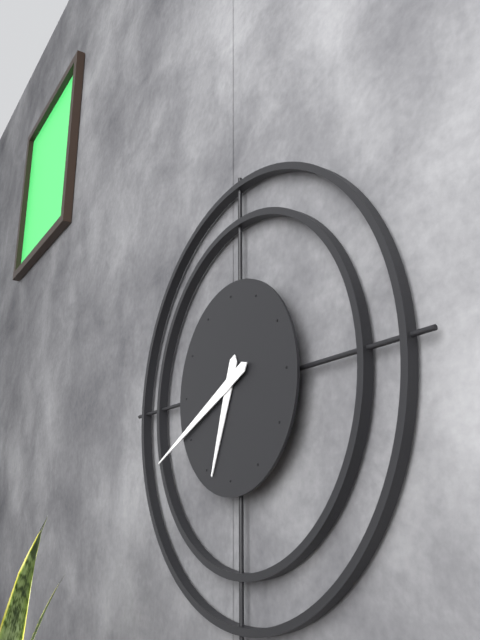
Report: h=6 m=41
